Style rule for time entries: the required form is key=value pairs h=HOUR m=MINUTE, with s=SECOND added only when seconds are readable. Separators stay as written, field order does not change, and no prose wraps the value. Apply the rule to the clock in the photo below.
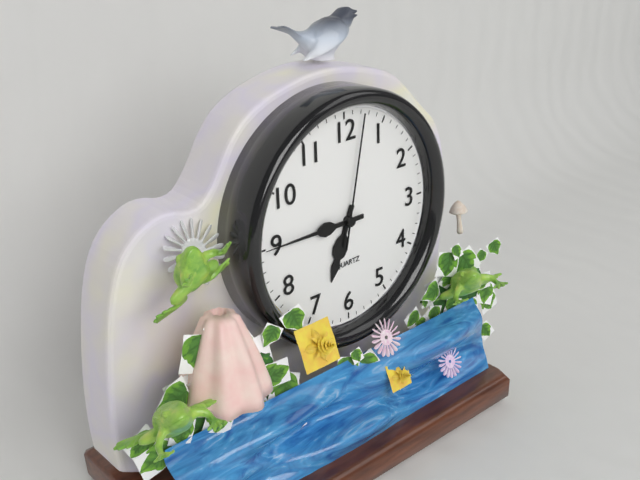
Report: h=6 m=45 s=2
